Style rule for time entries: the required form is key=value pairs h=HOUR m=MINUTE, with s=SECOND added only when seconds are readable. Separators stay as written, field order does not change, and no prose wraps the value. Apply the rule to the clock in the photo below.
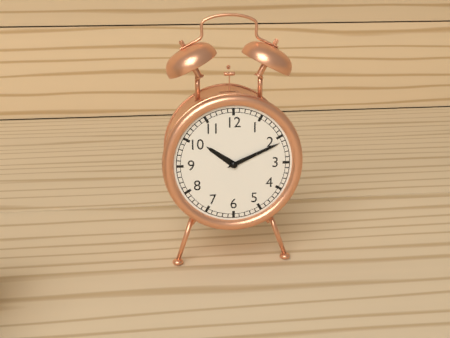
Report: h=10 m=11
